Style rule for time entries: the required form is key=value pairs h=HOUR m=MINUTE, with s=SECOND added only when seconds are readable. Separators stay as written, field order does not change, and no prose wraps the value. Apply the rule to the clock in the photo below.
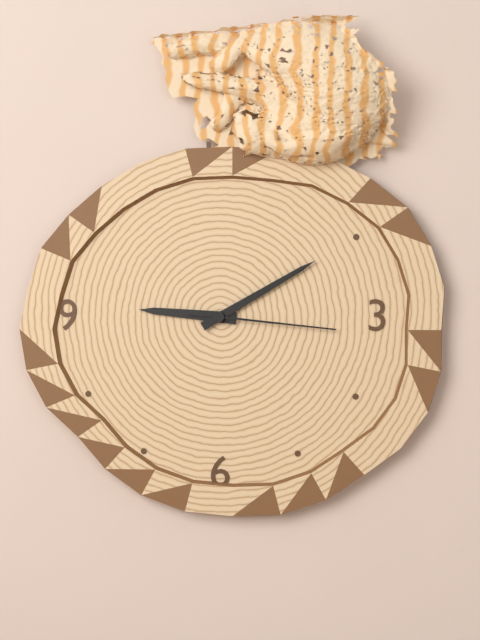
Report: h=9 m=10 s=16
